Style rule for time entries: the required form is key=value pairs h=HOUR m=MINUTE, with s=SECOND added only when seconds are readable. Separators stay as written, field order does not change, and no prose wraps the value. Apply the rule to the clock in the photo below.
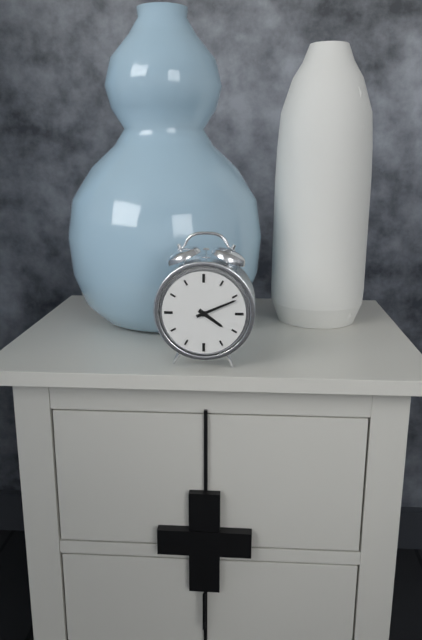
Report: h=4 m=11
